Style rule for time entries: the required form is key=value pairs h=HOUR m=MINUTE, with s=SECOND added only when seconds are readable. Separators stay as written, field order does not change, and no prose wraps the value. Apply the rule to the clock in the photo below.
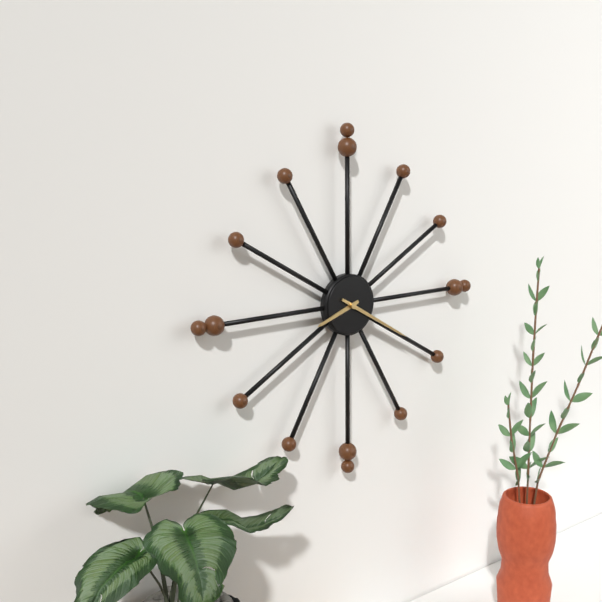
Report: h=8 m=20
